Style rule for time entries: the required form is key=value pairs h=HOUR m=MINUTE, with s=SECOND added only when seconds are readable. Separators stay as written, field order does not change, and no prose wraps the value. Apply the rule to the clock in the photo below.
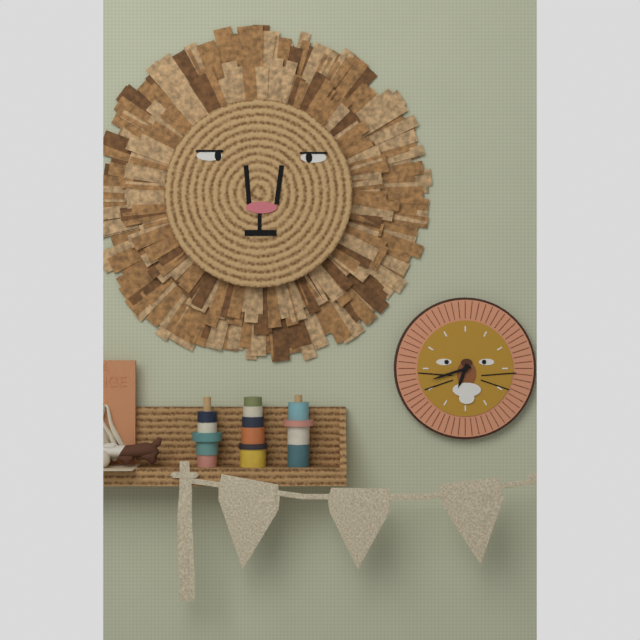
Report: h=6 m=42
